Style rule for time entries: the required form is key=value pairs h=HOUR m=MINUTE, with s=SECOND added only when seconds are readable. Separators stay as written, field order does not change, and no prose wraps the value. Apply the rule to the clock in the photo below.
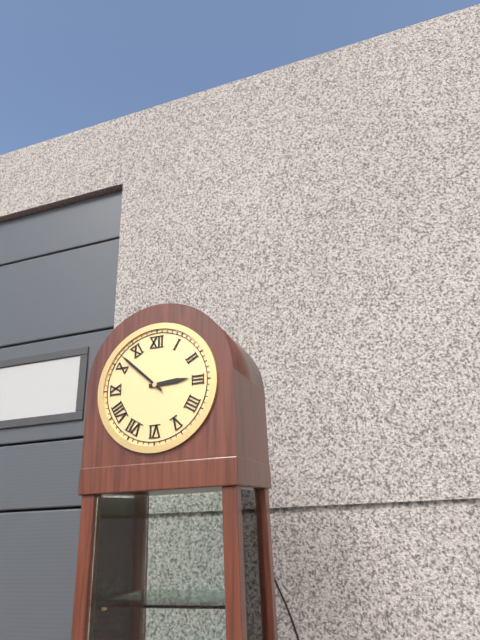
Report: h=2 m=52
